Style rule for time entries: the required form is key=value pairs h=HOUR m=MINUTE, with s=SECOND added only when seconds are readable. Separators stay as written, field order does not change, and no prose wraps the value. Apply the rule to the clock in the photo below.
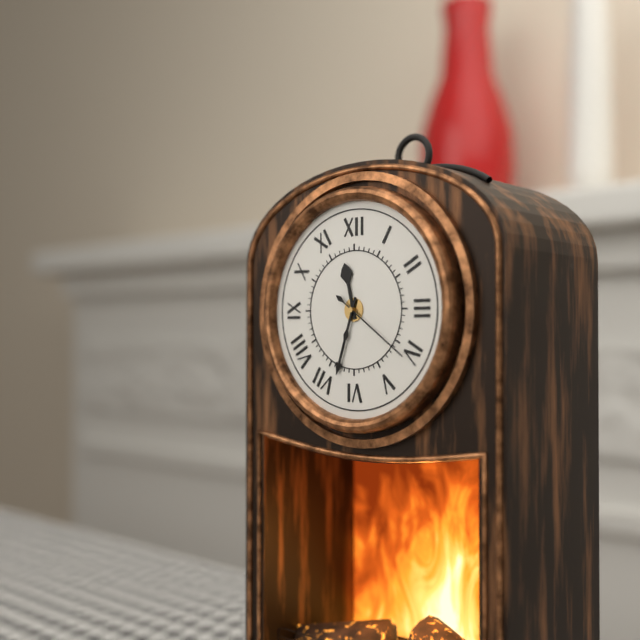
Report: h=11 m=33 s=21
